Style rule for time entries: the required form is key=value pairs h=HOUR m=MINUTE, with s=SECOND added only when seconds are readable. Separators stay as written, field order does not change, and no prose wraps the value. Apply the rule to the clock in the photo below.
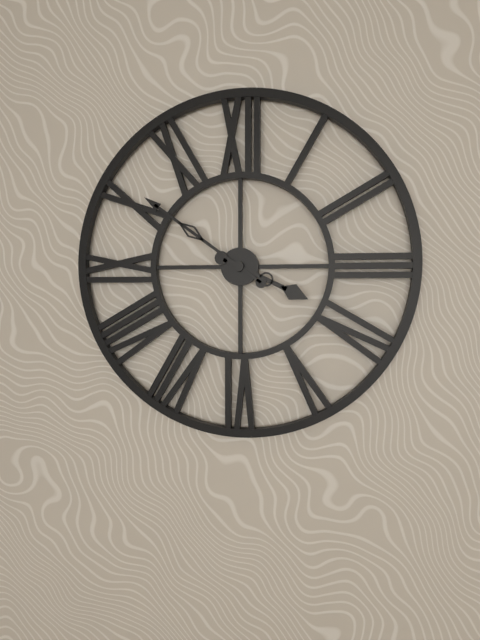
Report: h=3 m=51
